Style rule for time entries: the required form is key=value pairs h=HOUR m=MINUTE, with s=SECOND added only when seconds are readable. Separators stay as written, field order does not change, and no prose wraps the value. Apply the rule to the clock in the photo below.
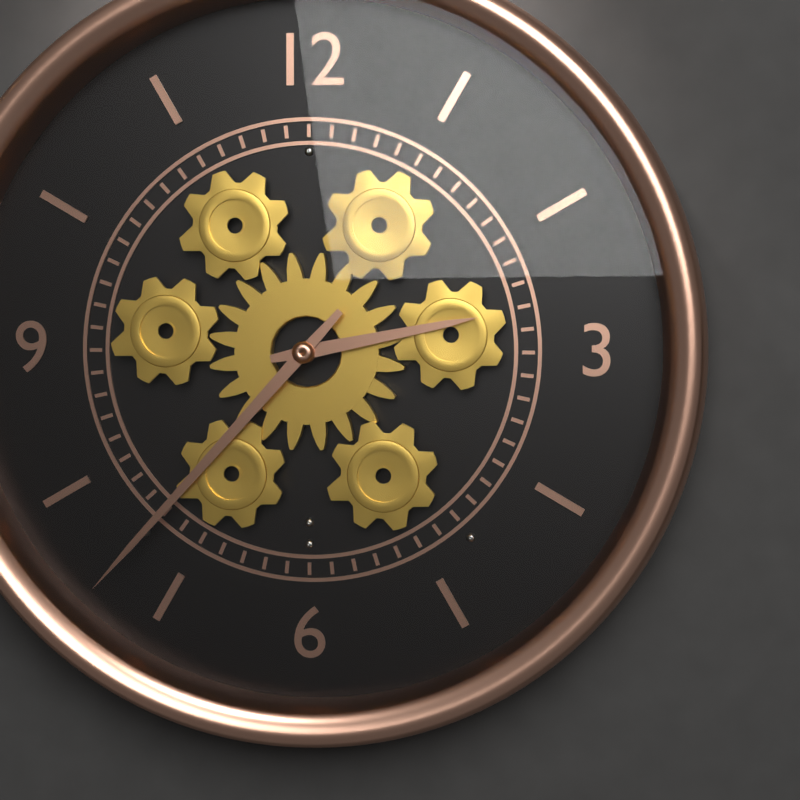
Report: h=2 m=37
